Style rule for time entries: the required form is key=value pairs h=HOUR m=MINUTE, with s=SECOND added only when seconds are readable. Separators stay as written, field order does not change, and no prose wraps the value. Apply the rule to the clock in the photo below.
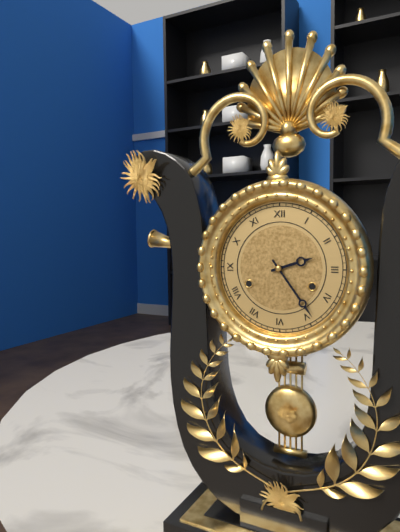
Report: h=2 m=24
